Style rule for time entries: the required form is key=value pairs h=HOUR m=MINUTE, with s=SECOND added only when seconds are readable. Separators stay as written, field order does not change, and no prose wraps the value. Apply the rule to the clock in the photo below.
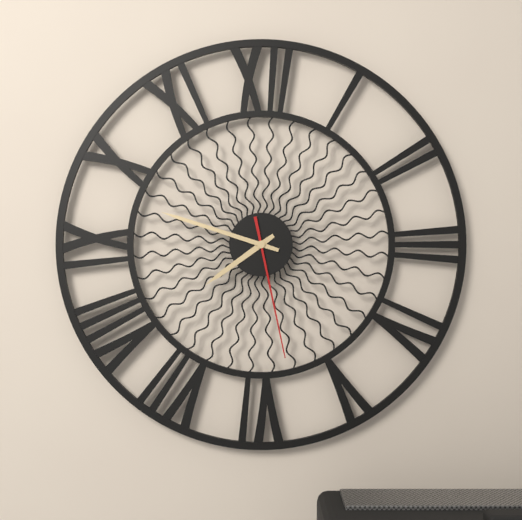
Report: h=7 m=48 s=28
